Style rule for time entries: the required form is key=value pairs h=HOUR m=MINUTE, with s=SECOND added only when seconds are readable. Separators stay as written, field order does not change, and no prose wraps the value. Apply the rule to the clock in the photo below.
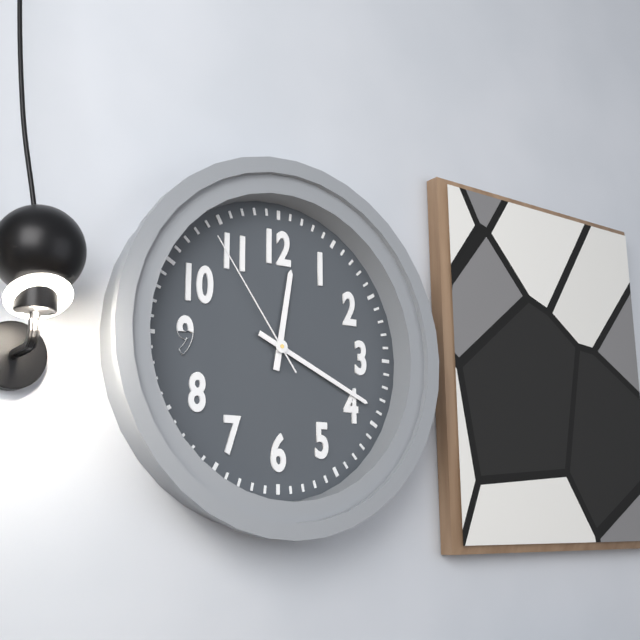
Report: h=12 m=19 s=54
